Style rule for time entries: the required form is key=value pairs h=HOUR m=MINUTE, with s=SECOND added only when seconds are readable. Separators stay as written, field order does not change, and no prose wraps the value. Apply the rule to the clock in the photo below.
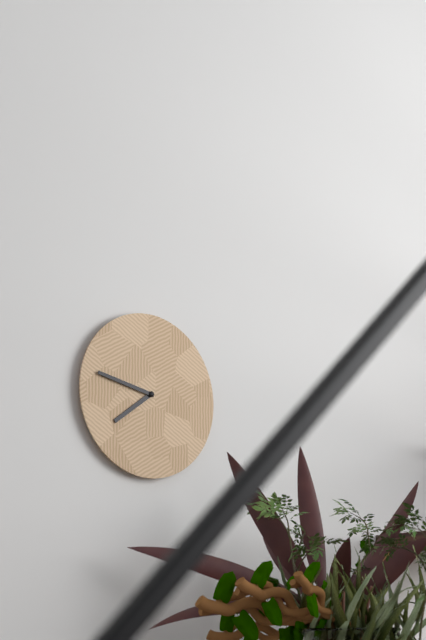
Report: h=7 m=47
